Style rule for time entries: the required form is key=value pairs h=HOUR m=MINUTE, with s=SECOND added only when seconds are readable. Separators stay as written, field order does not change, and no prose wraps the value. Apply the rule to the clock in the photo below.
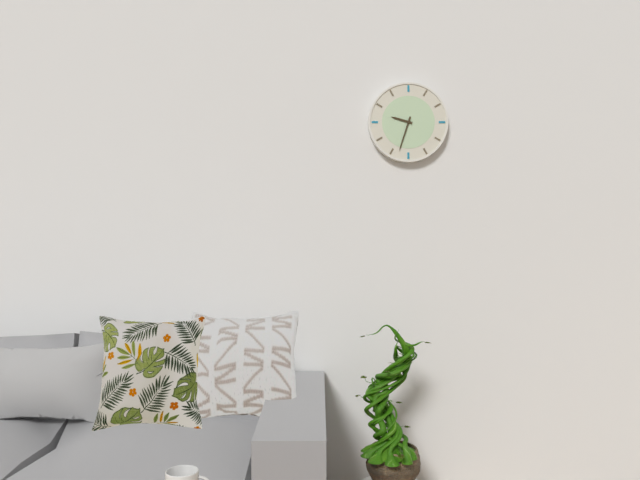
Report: h=9 m=33
